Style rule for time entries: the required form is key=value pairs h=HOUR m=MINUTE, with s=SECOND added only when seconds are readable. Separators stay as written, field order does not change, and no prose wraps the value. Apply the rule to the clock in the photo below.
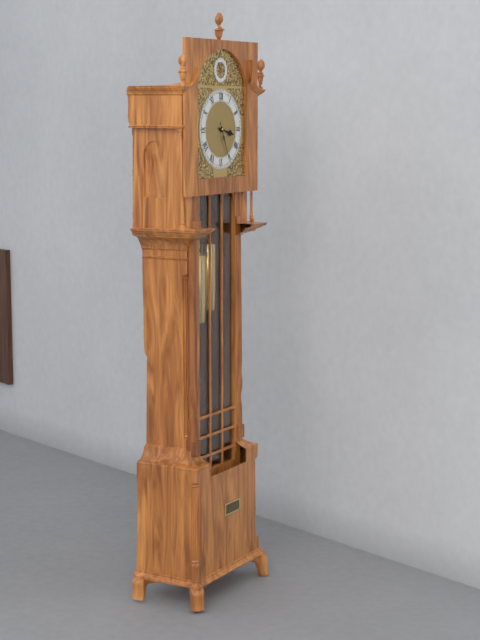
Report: h=3 m=26
